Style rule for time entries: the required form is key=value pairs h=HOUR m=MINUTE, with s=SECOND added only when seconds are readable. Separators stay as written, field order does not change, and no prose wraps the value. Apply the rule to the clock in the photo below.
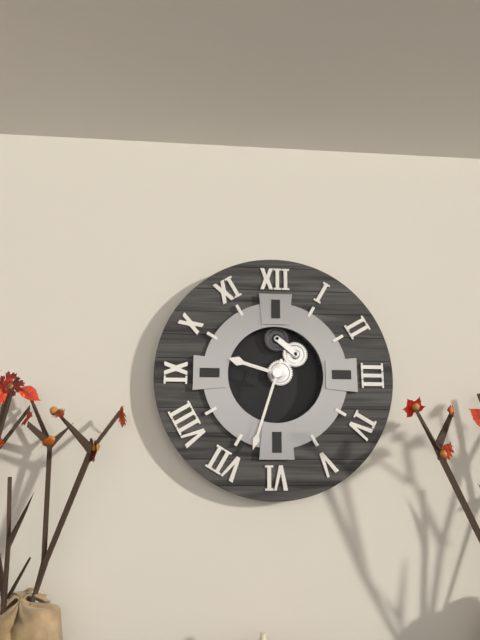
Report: h=9 m=33
